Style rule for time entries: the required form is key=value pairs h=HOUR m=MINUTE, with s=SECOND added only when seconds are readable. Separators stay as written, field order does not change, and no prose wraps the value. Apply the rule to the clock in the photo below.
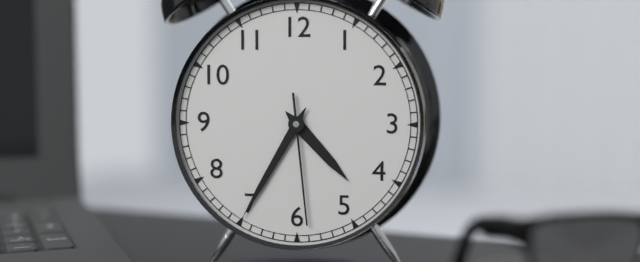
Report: h=4 m=35 s=29
